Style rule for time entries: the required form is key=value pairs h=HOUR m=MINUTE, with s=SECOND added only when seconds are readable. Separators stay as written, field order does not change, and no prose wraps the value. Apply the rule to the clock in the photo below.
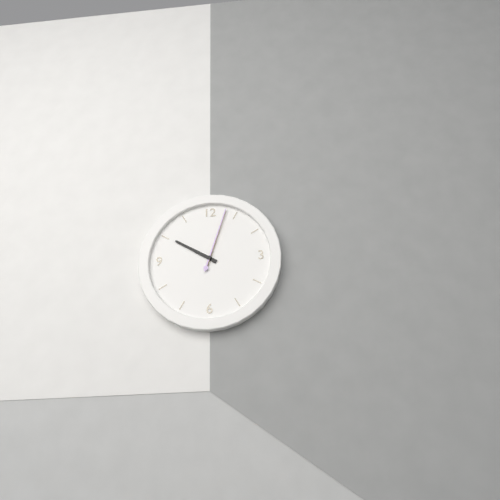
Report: h=10 m=3 s=3
